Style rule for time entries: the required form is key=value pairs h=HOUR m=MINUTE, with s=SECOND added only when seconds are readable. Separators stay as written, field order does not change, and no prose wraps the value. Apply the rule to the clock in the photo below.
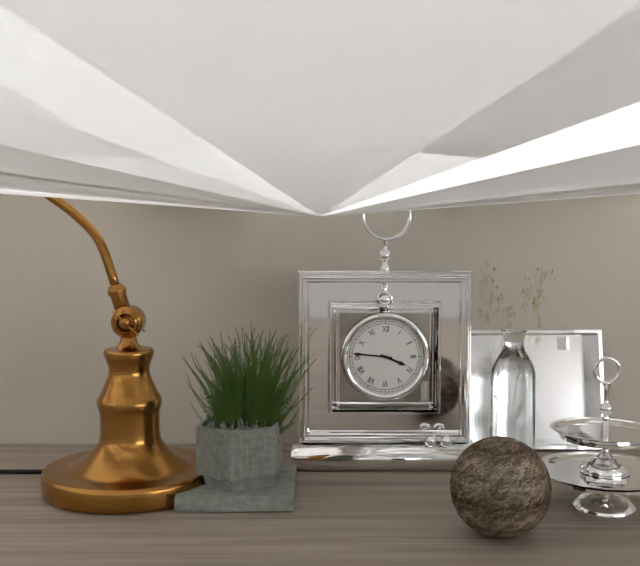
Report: h=3 m=46
